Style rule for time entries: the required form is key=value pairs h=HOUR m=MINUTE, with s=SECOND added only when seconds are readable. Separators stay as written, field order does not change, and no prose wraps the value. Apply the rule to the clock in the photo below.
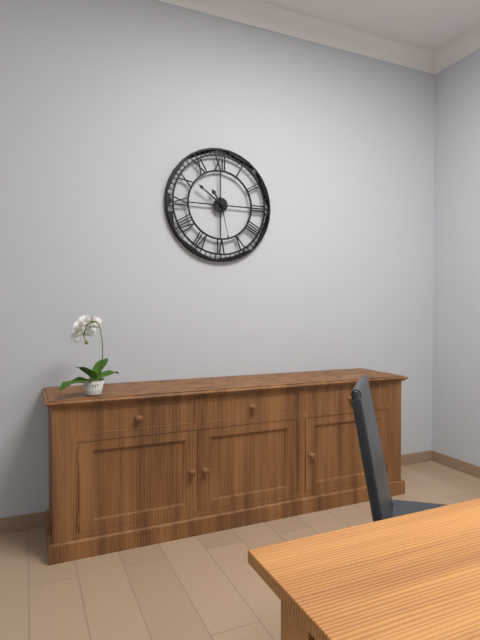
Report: h=10 m=51
